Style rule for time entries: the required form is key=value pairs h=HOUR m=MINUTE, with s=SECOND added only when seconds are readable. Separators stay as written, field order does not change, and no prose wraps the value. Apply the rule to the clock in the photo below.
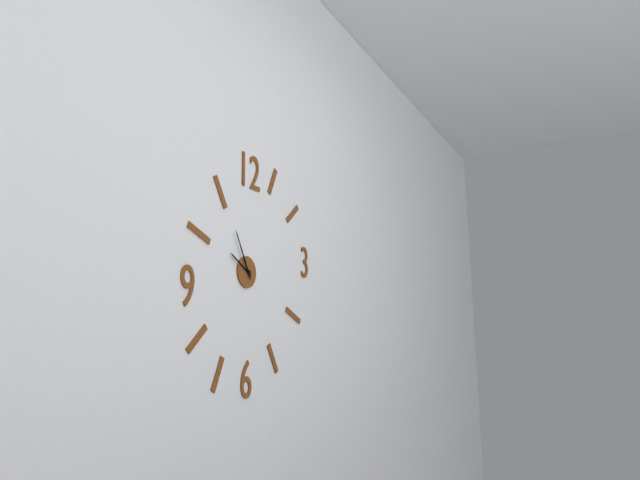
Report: h=9 m=55
